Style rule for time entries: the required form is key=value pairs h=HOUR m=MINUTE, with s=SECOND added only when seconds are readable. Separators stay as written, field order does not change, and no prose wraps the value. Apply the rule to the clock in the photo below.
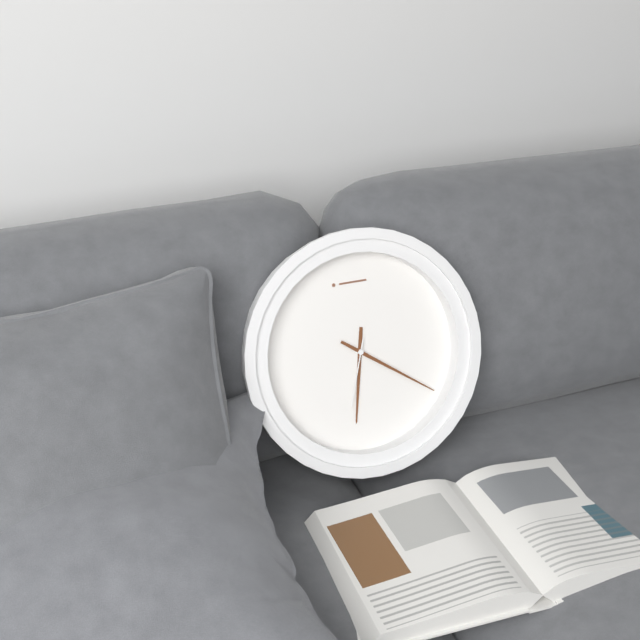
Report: h=6 m=21 s=33
